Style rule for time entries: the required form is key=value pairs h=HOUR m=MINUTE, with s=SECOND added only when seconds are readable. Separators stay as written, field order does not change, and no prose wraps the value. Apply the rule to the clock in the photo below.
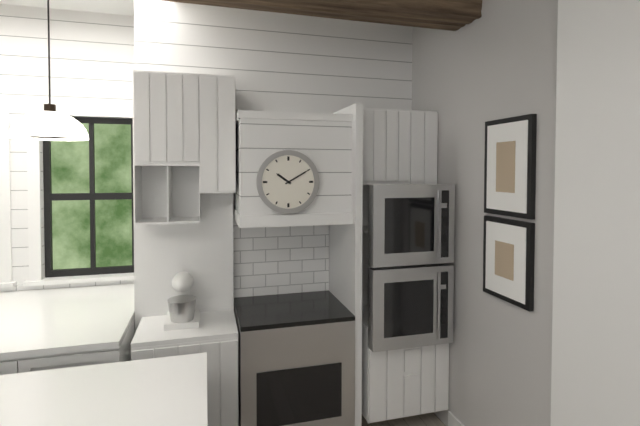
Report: h=10 m=10
